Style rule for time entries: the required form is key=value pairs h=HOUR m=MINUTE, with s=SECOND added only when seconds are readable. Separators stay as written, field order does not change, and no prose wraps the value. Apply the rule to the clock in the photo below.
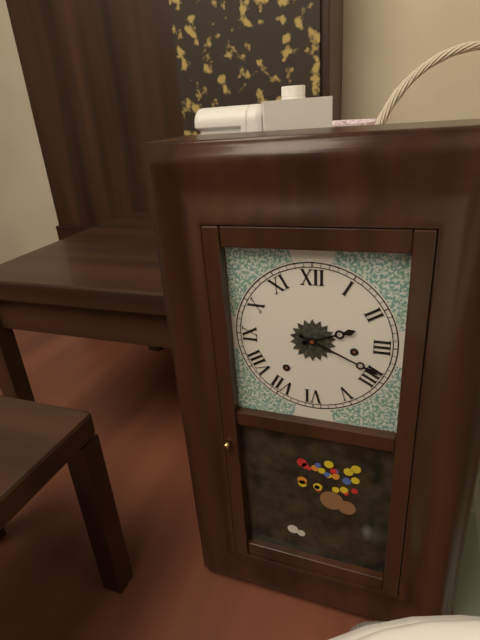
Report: h=2 m=19
